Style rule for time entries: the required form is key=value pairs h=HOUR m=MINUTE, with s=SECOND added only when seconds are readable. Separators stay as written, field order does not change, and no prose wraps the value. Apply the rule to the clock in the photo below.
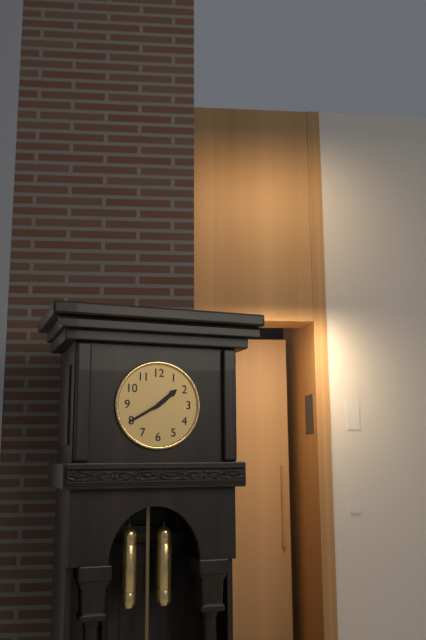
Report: h=1 m=40
